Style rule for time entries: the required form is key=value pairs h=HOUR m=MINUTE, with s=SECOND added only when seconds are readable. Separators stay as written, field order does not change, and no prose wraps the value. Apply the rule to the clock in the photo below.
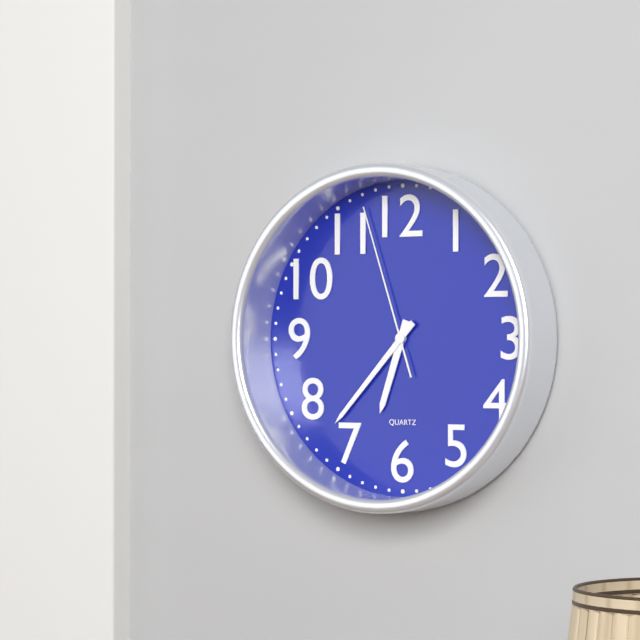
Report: h=6 m=37 s=57
